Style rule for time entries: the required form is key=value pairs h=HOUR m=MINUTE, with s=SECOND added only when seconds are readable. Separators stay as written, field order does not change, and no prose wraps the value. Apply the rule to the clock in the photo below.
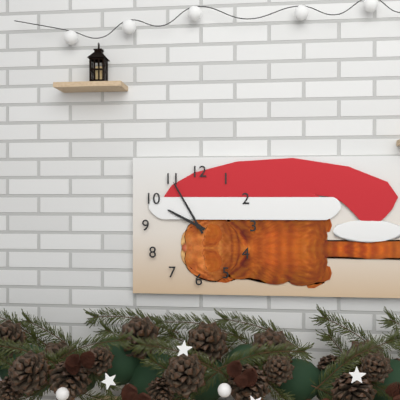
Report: h=9 m=55
